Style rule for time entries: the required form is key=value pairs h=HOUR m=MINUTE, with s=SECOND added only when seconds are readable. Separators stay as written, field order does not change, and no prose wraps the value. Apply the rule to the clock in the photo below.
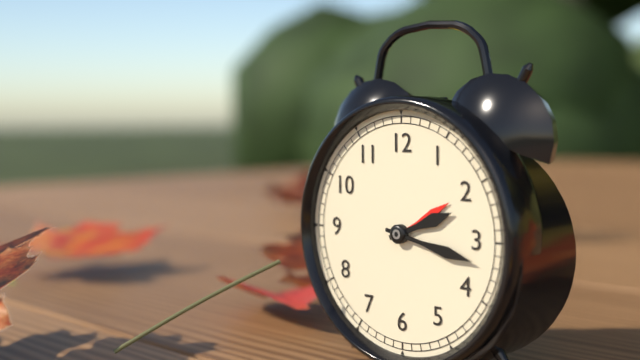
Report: h=2 m=17
